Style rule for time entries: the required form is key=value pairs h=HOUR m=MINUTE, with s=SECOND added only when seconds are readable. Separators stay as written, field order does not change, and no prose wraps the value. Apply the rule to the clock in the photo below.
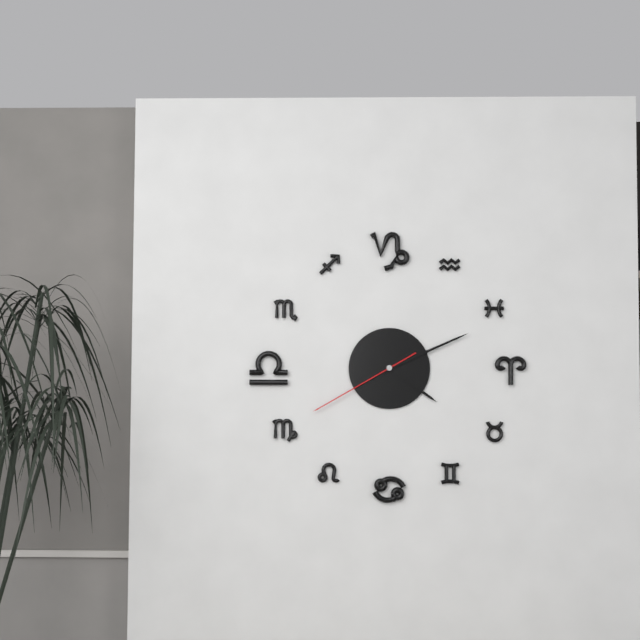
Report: h=4 m=11 s=40
